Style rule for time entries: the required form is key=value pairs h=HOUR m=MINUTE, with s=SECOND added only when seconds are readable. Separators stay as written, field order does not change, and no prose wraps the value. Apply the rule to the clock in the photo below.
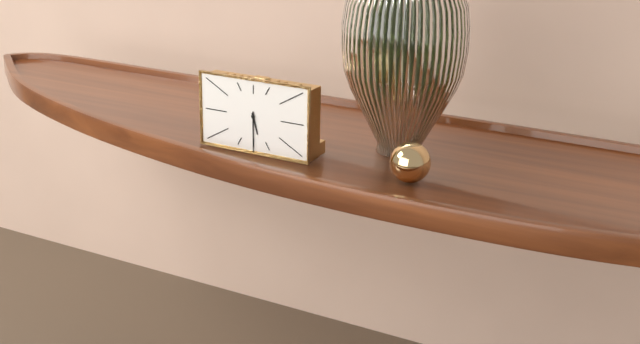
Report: h=5 m=30
